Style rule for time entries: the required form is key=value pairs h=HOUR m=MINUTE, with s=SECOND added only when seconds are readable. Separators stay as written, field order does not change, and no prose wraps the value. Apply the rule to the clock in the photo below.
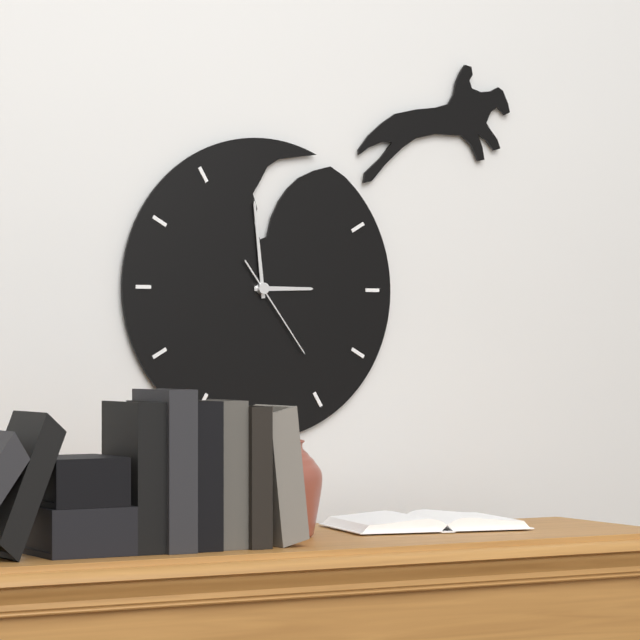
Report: h=2 m=59 s=24
